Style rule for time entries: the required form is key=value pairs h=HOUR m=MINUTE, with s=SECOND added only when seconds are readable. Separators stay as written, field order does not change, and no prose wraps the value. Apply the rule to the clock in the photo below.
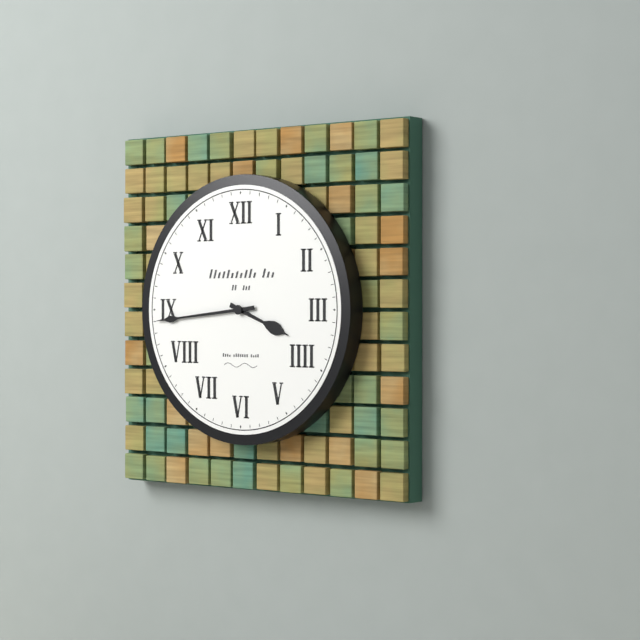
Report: h=3 m=44
